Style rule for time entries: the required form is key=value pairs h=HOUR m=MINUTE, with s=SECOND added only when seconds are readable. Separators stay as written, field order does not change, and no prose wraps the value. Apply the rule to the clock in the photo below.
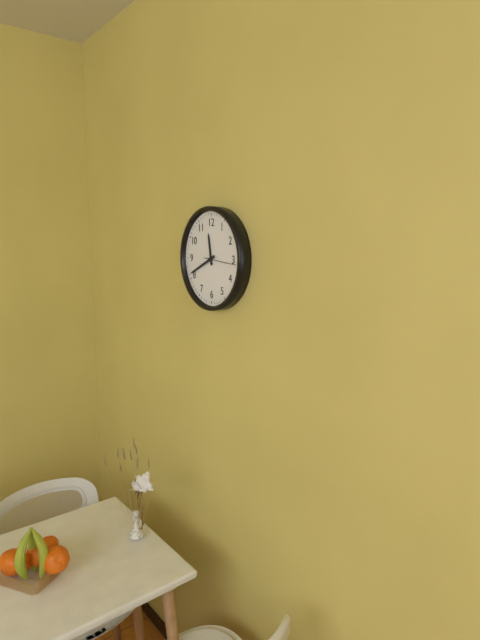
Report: h=11 m=41
